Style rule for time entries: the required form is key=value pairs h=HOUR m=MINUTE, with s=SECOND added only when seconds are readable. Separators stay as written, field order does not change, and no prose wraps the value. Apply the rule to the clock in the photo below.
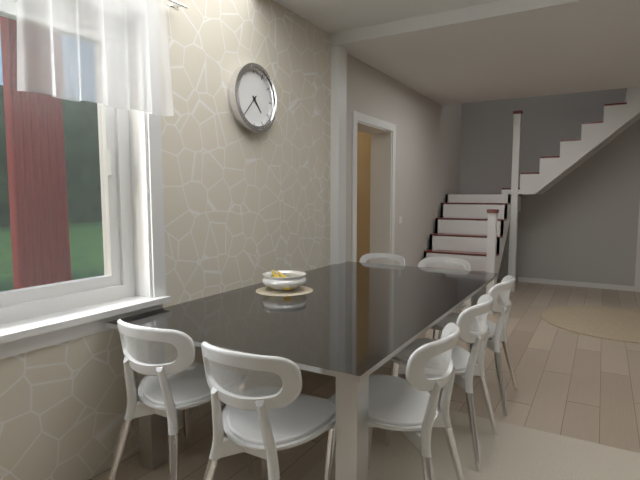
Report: h=4 m=37
